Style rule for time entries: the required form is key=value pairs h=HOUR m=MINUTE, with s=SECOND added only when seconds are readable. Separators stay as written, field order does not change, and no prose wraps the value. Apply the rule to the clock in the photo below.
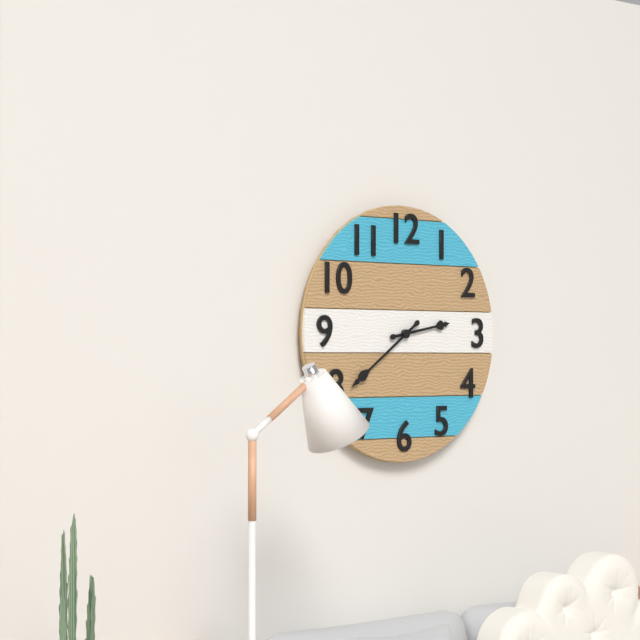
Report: h=2 m=39
